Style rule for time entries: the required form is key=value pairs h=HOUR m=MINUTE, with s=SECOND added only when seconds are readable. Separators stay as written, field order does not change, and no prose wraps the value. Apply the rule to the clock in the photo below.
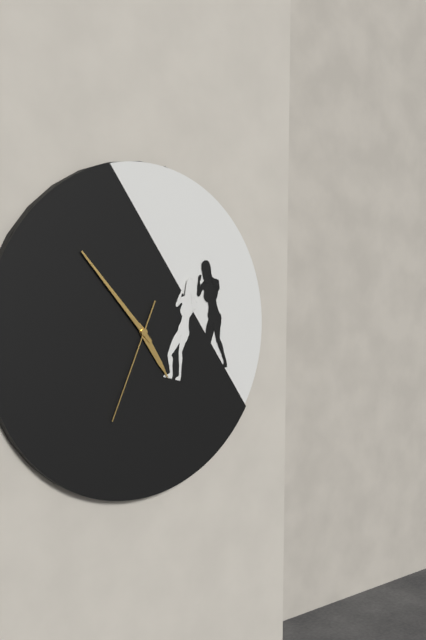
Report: h=4 m=53 s=34
